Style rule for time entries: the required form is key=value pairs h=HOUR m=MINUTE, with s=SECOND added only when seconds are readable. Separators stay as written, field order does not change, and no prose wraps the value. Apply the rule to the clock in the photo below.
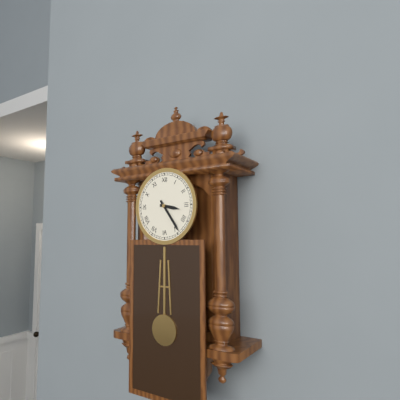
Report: h=3 m=24
